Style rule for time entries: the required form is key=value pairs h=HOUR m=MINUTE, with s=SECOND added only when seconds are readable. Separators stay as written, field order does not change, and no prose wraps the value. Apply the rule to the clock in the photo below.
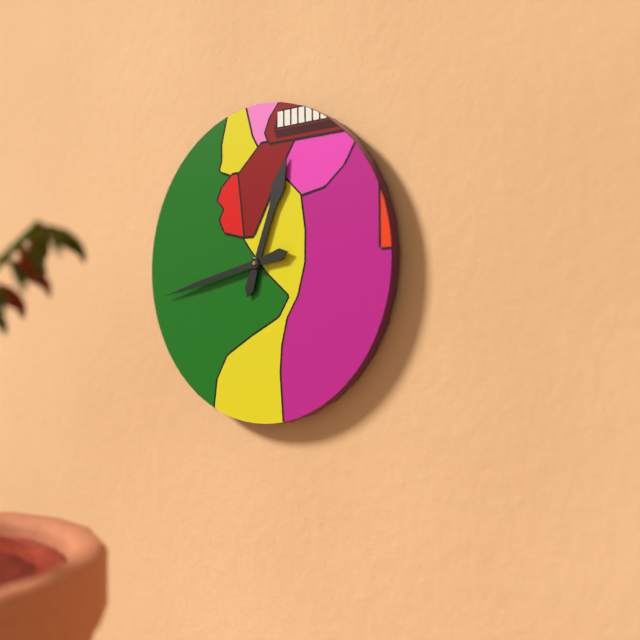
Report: h=12 m=43
